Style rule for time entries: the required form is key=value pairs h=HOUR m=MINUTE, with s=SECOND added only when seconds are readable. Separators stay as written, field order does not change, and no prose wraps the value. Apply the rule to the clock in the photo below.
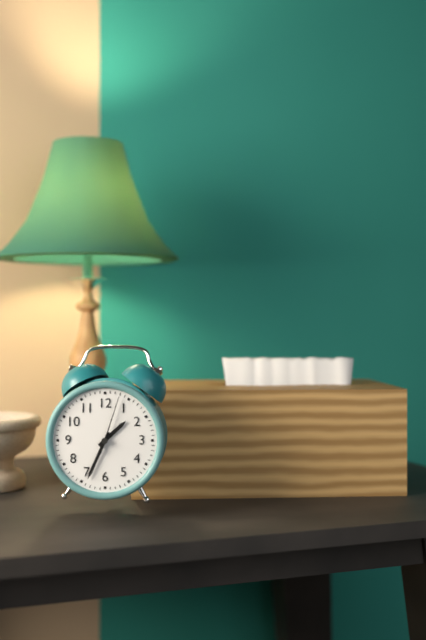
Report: h=1 m=34 s=3
